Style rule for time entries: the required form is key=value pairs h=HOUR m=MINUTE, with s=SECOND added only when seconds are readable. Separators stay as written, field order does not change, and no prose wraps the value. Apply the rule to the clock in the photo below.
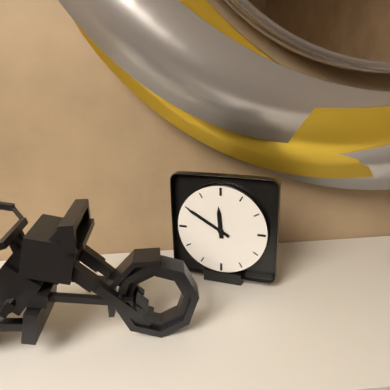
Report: h=11 m=50
